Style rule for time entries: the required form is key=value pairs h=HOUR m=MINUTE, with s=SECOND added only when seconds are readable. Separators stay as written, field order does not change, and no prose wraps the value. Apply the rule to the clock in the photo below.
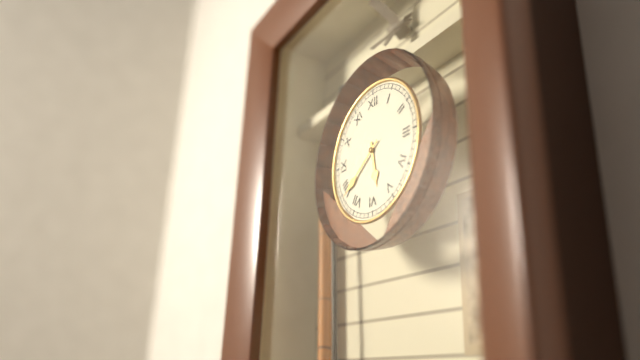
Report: h=5 m=39
